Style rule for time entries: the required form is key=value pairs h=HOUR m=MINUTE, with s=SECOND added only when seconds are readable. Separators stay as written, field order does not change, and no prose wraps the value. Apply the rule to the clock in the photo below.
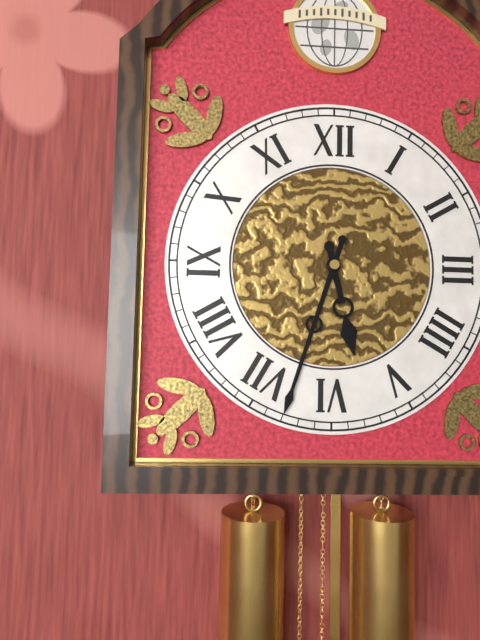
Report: h=5 m=33
